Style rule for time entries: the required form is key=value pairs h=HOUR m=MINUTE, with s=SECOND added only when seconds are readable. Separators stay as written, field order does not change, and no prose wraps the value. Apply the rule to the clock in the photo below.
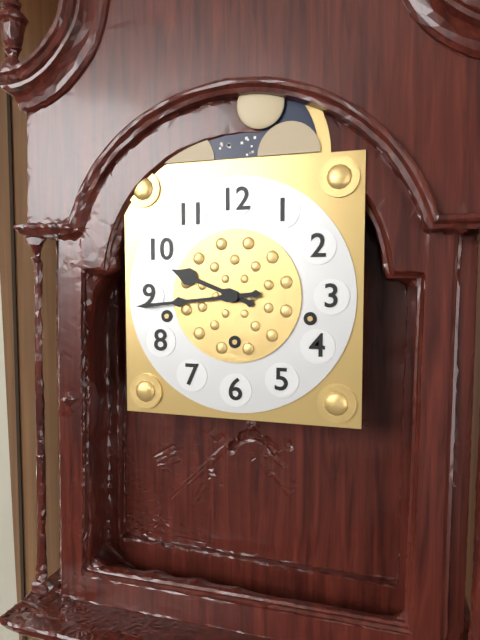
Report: h=9 m=44
